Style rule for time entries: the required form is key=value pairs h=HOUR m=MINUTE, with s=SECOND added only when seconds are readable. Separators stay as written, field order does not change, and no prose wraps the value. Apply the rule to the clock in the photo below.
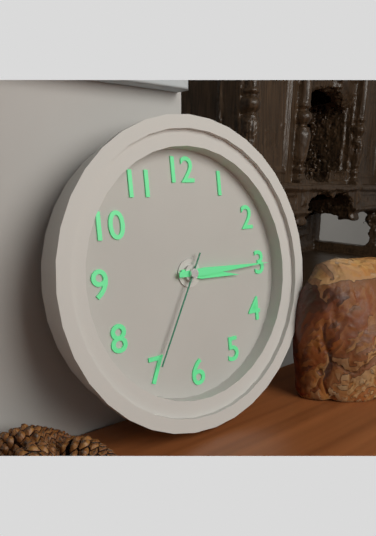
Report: h=3 m=15 s=35
